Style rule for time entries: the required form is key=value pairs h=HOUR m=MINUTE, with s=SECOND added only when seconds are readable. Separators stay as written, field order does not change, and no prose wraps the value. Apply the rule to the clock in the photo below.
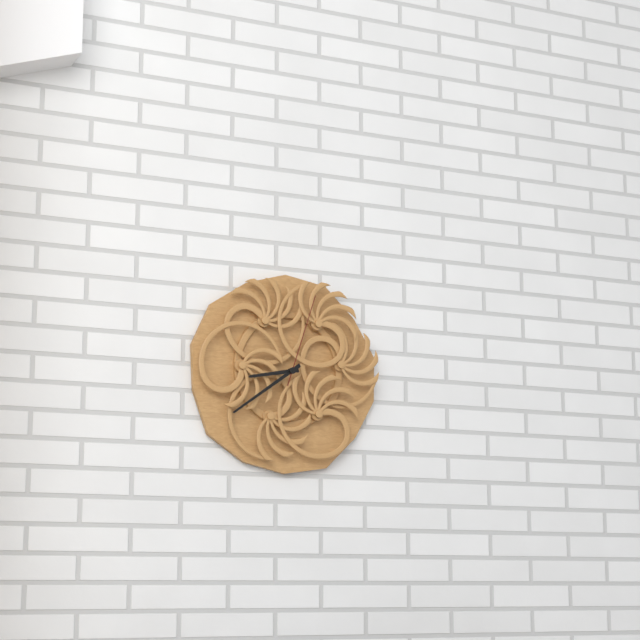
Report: h=8 m=39 s=3
